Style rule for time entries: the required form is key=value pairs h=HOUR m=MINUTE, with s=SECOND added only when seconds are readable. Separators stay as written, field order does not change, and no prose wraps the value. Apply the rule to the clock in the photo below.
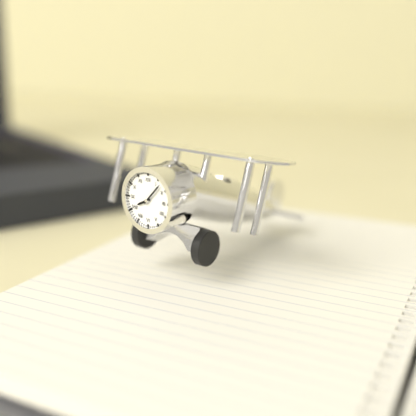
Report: h=8 m=7
